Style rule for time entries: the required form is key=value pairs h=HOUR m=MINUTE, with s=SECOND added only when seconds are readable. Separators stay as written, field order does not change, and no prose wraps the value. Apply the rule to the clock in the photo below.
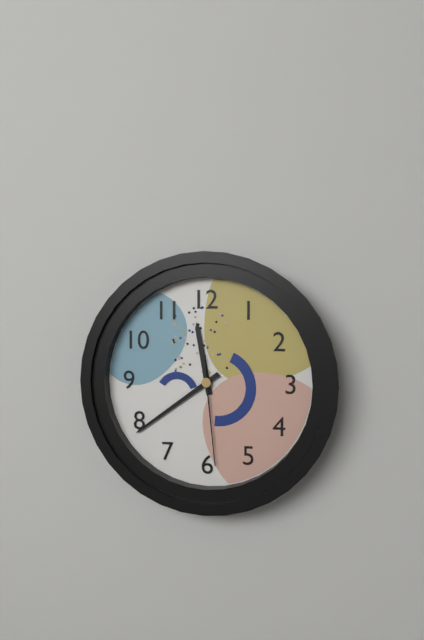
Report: h=11 m=39 s=29
